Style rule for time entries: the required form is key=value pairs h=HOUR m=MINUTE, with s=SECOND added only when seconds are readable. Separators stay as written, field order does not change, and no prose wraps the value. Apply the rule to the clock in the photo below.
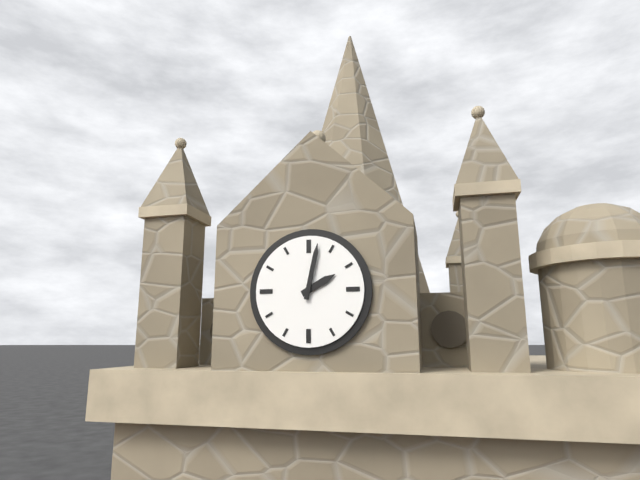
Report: h=2 m=2
